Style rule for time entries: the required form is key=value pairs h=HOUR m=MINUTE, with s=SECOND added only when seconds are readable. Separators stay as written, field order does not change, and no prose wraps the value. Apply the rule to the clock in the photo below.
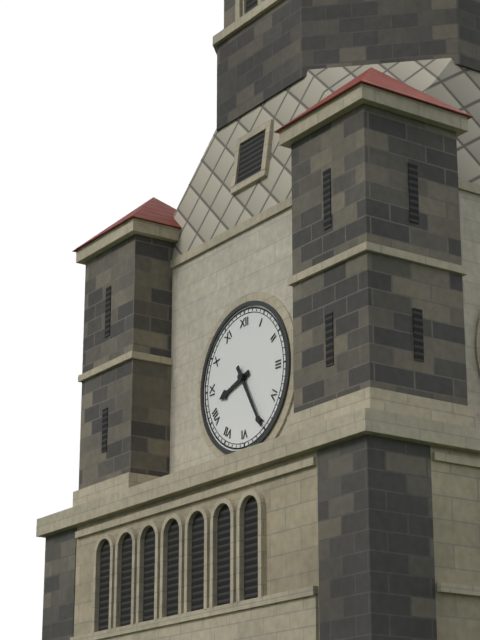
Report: h=8 m=25
